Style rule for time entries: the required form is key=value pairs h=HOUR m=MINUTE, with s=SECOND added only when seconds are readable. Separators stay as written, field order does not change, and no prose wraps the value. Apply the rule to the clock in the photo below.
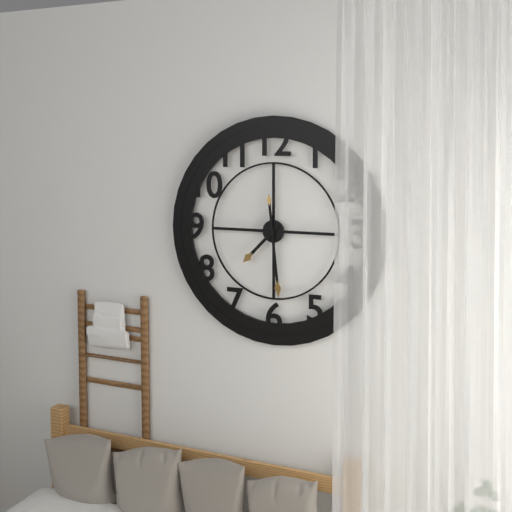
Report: h=7 m=29
